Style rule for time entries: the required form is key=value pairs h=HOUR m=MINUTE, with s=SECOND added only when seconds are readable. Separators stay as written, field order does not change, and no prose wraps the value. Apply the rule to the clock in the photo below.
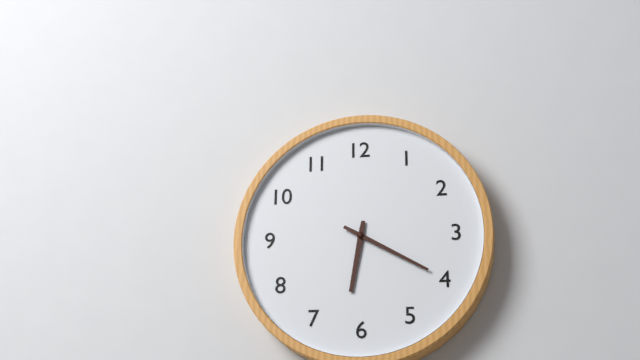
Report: h=6 m=20
